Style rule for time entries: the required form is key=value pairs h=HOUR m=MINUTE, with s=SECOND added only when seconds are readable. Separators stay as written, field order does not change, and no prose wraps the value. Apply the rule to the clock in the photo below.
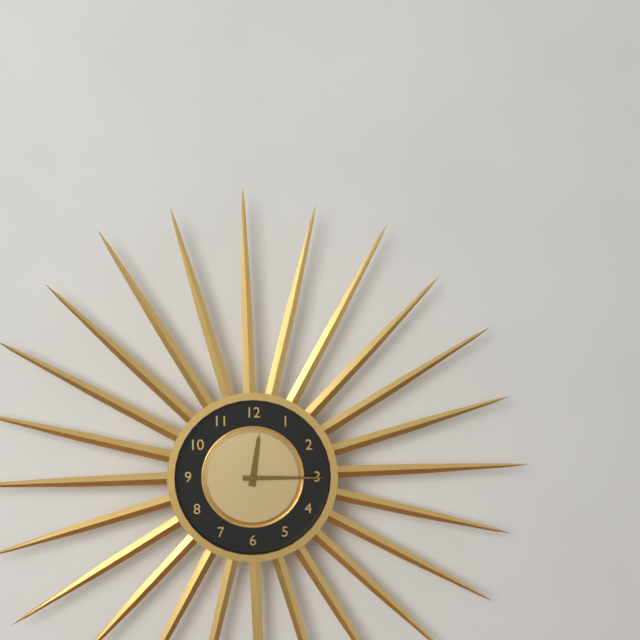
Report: h=12 m=15
